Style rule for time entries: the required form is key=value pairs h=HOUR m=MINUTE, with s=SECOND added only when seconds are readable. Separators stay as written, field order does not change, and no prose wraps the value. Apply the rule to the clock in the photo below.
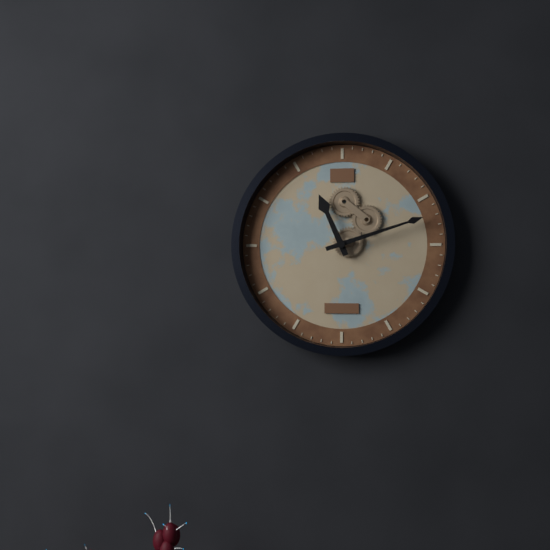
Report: h=11 m=12
